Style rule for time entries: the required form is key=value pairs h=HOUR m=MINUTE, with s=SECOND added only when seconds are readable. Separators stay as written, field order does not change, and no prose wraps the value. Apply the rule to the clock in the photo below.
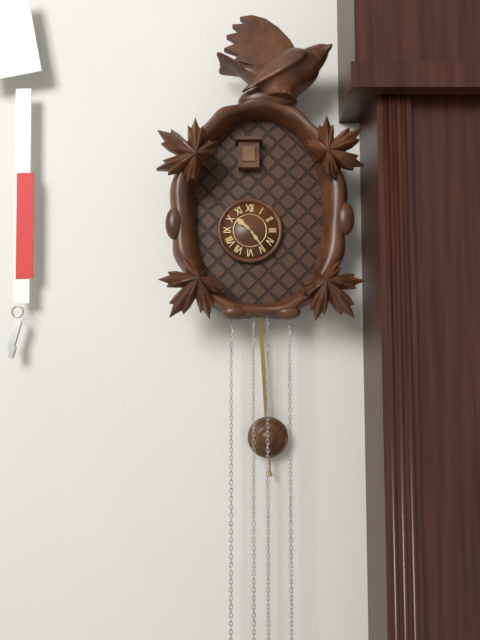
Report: h=10 m=24
